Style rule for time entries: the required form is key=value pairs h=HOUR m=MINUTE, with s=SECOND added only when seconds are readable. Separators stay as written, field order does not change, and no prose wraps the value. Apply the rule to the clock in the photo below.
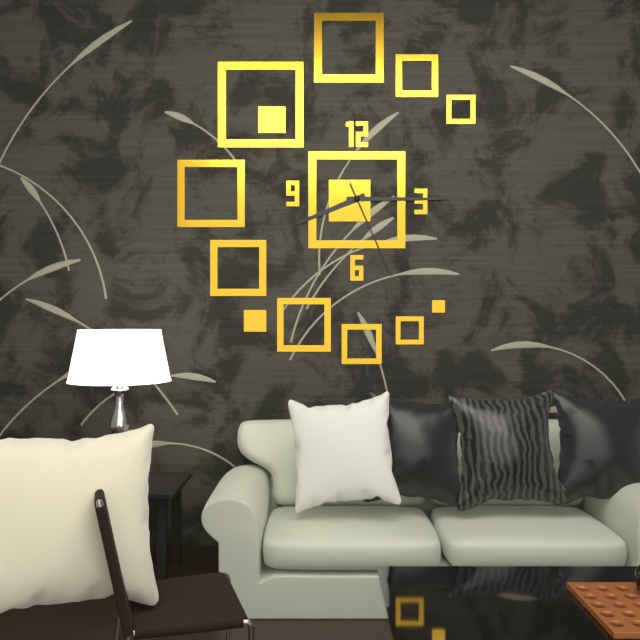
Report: h=8 m=15 s=26
